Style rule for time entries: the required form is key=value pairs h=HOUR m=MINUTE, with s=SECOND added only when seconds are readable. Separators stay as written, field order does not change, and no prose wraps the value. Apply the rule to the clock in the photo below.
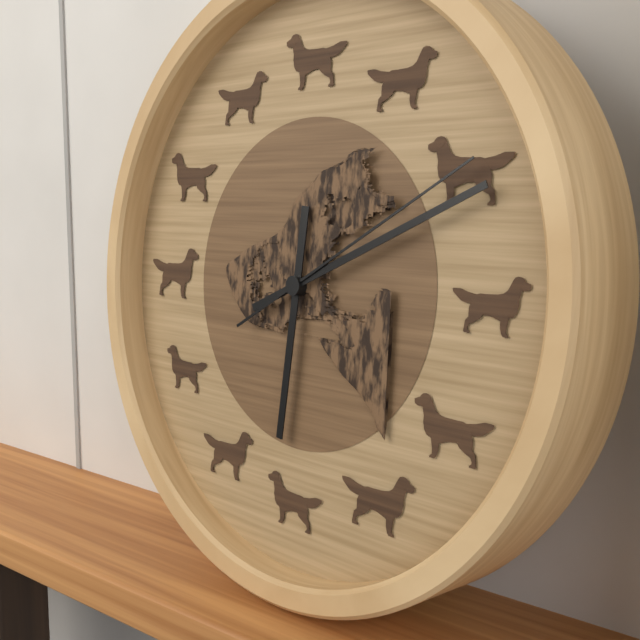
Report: h=6 m=11 s=10
